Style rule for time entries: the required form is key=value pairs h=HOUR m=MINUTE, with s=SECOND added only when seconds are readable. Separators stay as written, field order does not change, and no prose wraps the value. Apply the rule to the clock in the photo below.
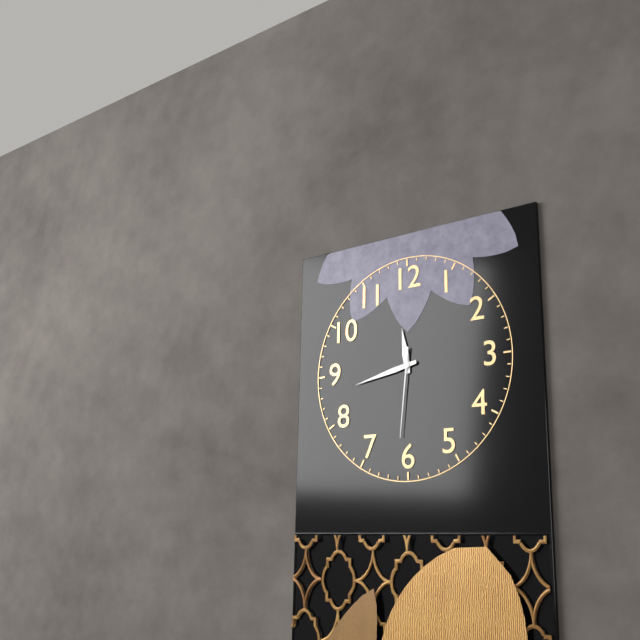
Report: h=11 m=43 s=31
